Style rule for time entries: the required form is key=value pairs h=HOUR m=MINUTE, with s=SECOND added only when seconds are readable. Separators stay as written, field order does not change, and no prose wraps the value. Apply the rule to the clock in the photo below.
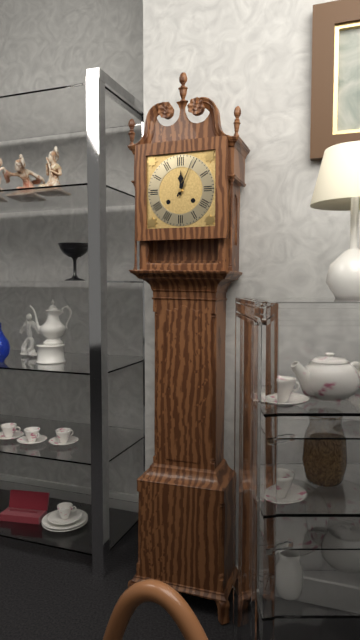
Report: h=12 m=4
